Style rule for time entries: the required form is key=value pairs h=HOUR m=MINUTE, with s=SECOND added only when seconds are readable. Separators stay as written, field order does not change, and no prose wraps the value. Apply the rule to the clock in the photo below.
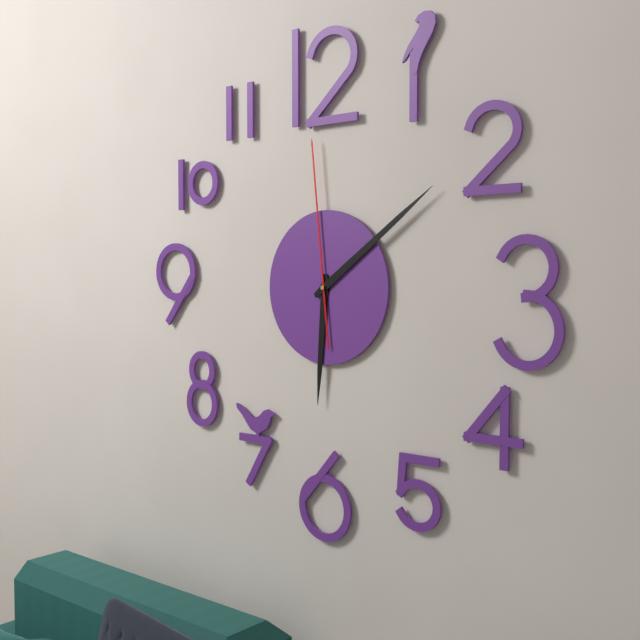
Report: h=6 m=9 s=59
